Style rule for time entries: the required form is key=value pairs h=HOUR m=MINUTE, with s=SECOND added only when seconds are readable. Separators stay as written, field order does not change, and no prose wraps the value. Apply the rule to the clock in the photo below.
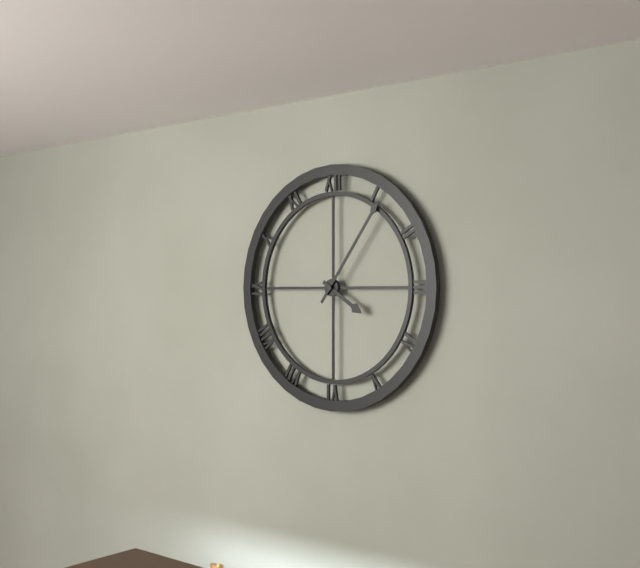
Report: h=4 m=6
